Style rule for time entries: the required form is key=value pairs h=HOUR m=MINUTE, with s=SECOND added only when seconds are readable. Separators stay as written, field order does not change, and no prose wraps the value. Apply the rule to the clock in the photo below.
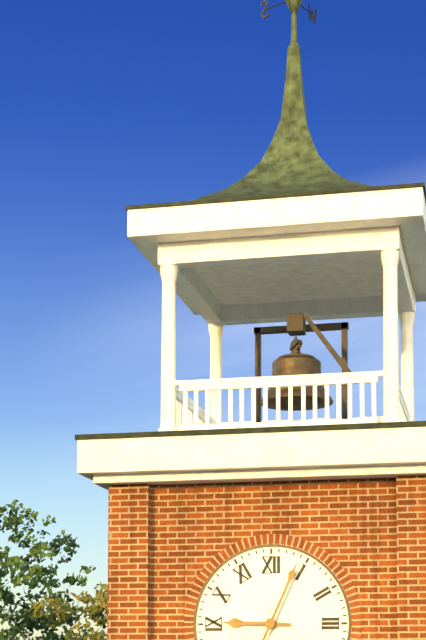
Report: h=9 m=4
